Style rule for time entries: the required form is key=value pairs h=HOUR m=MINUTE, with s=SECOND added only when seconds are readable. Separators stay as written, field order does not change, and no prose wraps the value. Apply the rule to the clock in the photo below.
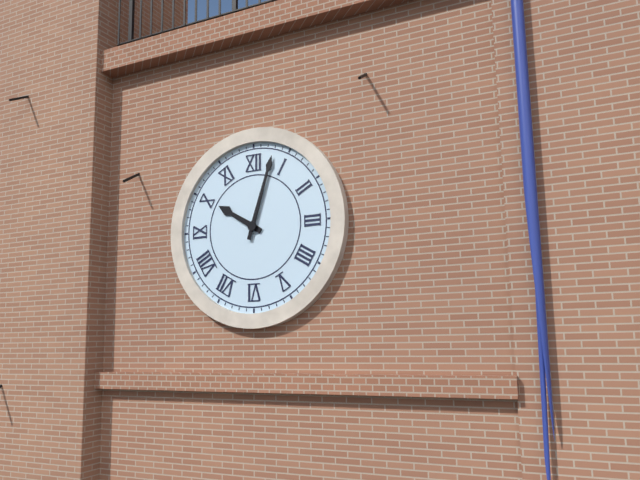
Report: h=10 m=3
